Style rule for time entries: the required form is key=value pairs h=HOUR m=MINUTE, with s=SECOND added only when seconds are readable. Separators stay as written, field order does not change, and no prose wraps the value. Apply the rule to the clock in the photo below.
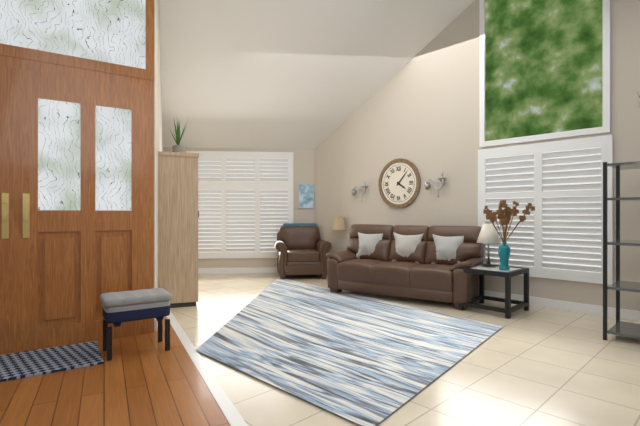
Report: h=4 m=7
